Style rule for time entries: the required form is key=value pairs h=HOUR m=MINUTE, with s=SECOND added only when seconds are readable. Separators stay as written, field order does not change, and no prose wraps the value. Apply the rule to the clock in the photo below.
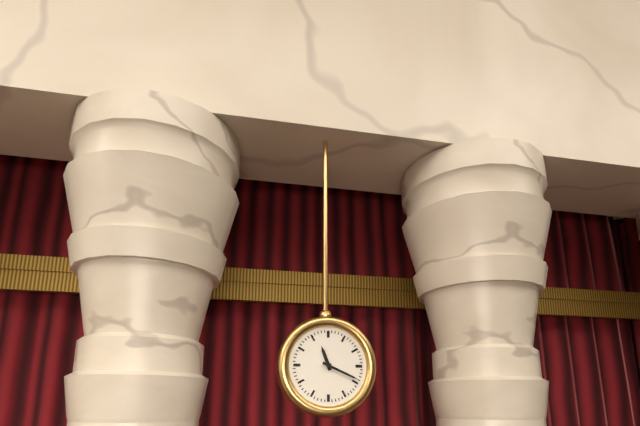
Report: h=11 m=19
